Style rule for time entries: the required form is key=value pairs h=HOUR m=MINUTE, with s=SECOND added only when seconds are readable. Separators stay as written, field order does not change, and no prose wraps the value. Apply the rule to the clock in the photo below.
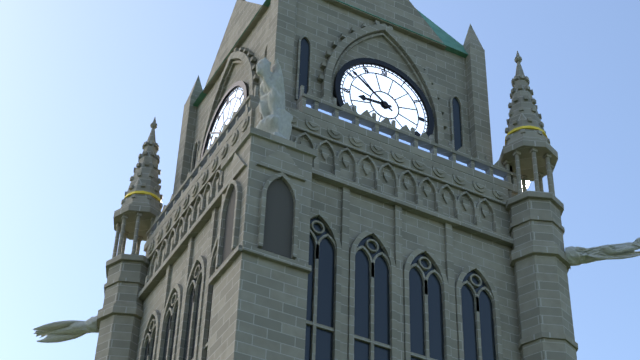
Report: h=8 m=51
